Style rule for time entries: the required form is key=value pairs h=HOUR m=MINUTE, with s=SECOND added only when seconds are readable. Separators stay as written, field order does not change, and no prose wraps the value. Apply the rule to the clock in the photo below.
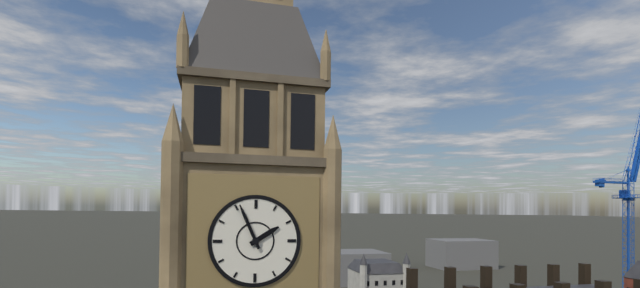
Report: h=1 m=56
